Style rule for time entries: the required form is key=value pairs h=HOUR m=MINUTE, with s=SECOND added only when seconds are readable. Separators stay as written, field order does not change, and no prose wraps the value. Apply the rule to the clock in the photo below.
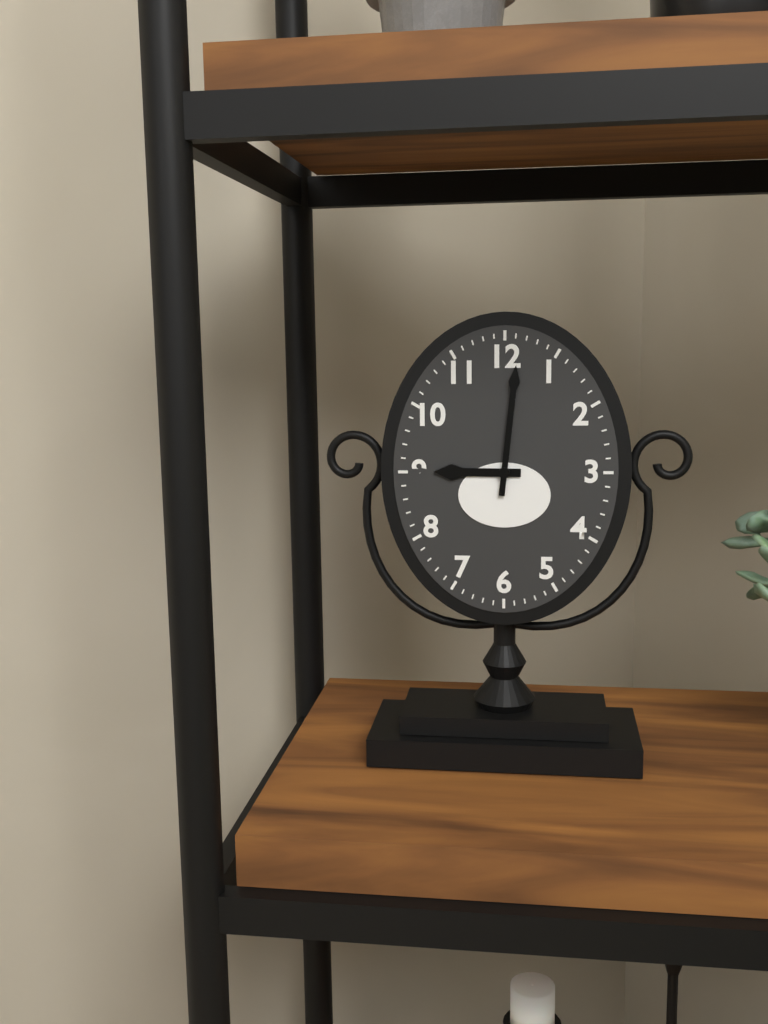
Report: h=9 m=1
